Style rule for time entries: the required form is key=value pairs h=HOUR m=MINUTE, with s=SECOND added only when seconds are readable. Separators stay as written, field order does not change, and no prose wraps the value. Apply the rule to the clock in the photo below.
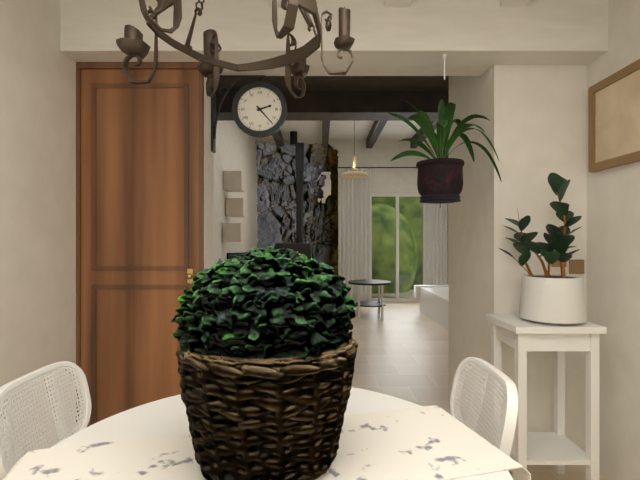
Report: h=2 m=23
